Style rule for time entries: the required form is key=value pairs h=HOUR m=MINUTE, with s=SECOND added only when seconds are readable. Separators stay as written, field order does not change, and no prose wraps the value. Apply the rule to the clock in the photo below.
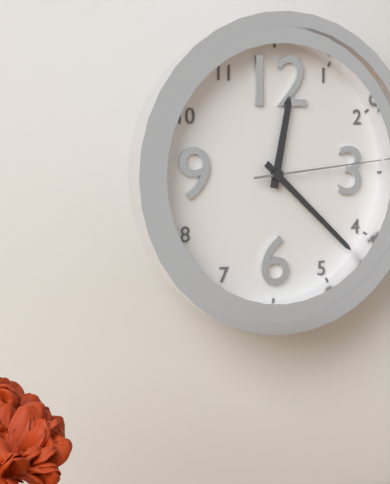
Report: h=12 m=22 s=14
